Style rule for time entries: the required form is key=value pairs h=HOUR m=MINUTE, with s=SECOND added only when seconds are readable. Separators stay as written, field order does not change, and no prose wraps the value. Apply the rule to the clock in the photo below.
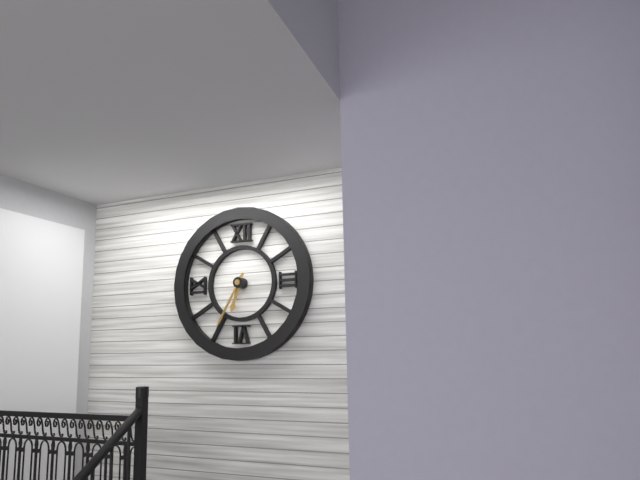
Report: h=6 m=35
